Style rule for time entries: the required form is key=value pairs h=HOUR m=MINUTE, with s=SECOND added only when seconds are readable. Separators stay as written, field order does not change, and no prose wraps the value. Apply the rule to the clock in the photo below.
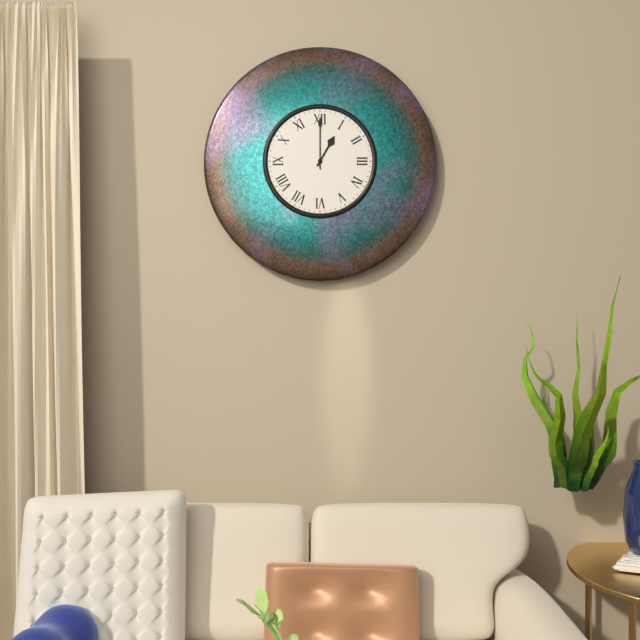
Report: h=1 m=0
